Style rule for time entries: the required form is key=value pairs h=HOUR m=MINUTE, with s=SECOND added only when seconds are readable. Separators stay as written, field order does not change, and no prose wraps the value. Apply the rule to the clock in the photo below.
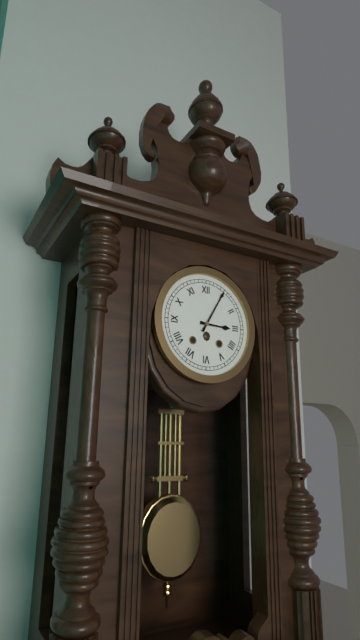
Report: h=3 m=5
